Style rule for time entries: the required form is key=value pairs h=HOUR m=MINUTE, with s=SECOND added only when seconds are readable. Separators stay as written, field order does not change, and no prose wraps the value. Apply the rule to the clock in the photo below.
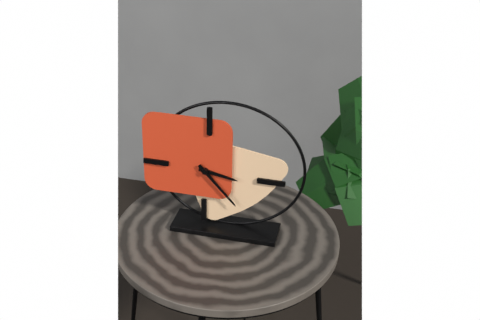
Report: h=3 m=23
